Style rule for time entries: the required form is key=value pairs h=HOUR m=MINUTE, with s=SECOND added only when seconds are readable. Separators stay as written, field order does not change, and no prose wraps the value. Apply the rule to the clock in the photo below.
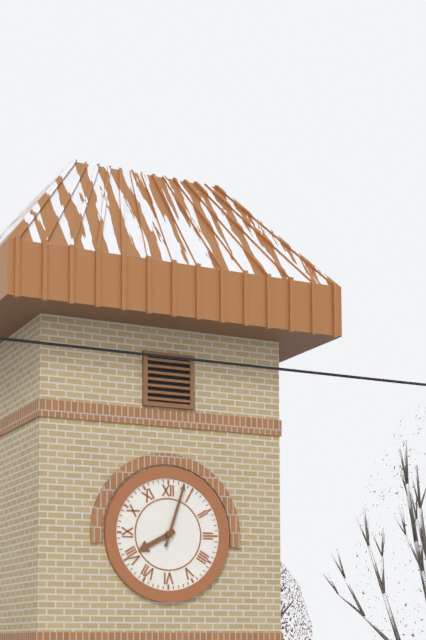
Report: h=8 m=3
